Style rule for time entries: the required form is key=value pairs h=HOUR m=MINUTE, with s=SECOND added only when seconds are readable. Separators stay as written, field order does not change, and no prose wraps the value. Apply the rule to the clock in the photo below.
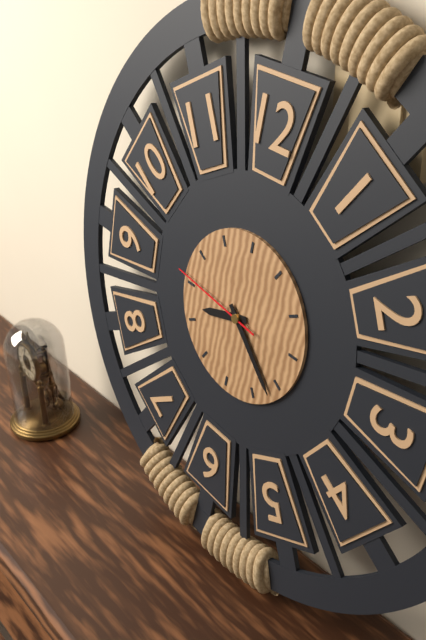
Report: h=8 m=22 s=46
